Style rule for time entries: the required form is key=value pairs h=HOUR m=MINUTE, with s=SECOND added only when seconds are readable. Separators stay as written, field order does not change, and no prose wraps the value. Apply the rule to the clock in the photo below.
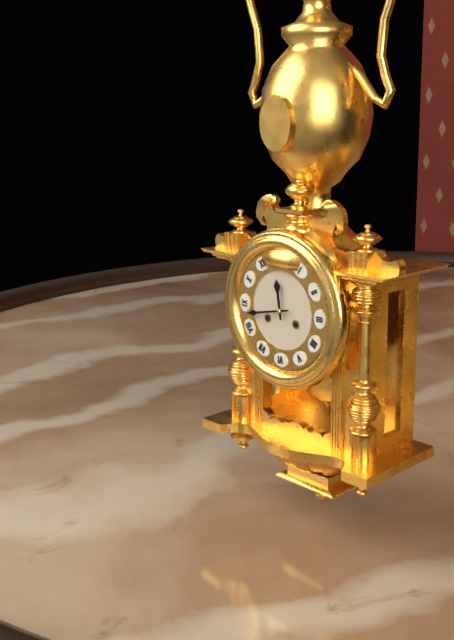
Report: h=11 m=43
